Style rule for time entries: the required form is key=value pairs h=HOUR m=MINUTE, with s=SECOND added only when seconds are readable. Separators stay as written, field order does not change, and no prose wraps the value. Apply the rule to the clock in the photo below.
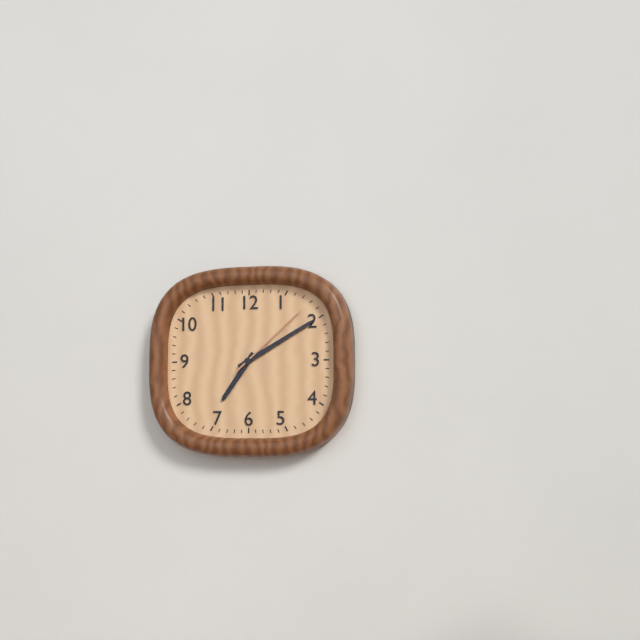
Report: h=7 m=10 s=8
